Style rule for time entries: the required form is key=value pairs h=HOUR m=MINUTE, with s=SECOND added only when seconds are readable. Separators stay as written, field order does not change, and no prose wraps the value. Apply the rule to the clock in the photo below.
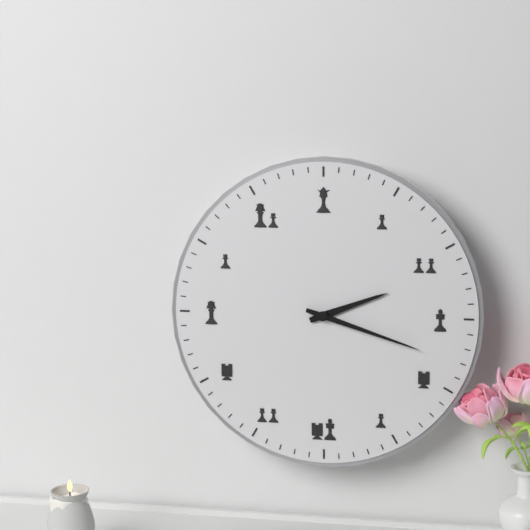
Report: h=2 m=18
